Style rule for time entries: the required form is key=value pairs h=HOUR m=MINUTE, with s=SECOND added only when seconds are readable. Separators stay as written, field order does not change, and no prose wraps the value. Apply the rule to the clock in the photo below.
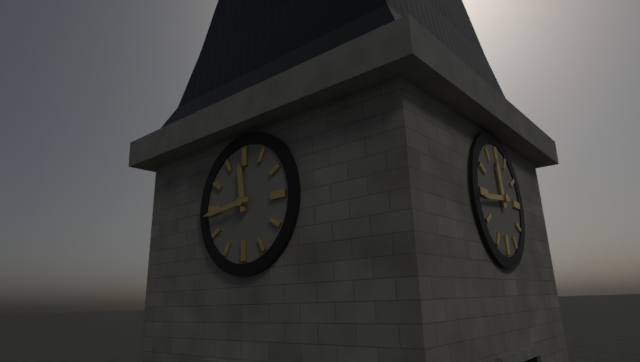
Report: h=11 m=44
